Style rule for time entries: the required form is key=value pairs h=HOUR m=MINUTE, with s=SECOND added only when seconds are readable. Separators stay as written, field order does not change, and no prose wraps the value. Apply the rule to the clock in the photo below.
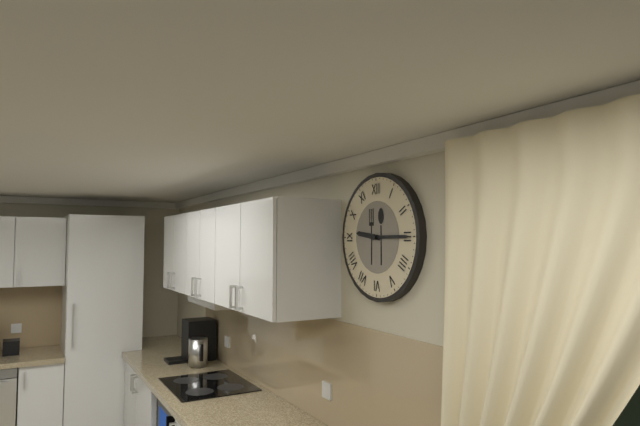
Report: h=9 m=15
